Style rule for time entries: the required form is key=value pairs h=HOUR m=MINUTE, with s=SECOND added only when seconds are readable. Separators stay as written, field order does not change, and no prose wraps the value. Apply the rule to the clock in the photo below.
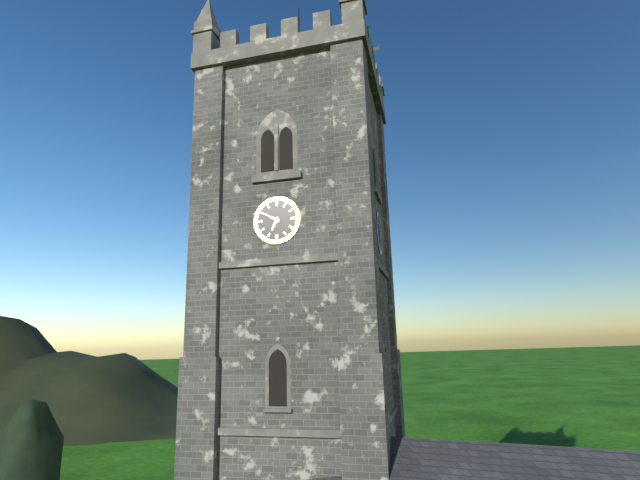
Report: h=6 m=50
